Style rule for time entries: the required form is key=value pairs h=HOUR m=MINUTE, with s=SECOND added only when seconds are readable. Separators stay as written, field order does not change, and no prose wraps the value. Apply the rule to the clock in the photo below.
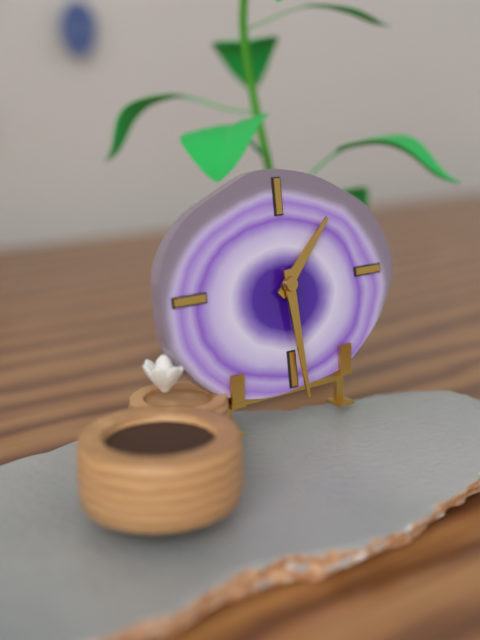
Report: h=1 m=29
